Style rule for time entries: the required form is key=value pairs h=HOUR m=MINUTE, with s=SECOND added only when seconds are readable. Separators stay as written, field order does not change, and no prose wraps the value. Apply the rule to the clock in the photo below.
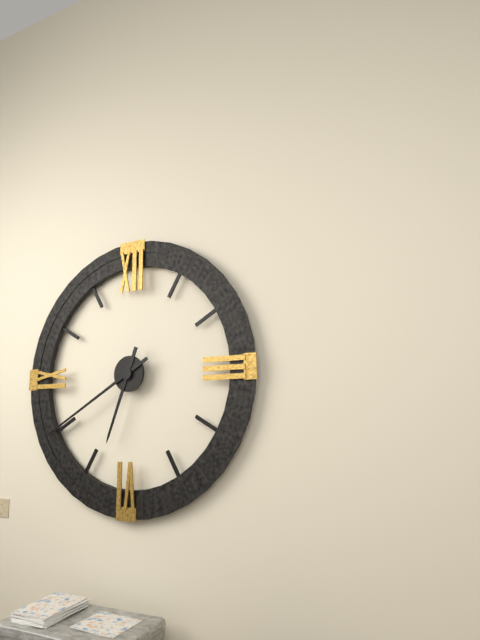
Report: h=6 m=40
